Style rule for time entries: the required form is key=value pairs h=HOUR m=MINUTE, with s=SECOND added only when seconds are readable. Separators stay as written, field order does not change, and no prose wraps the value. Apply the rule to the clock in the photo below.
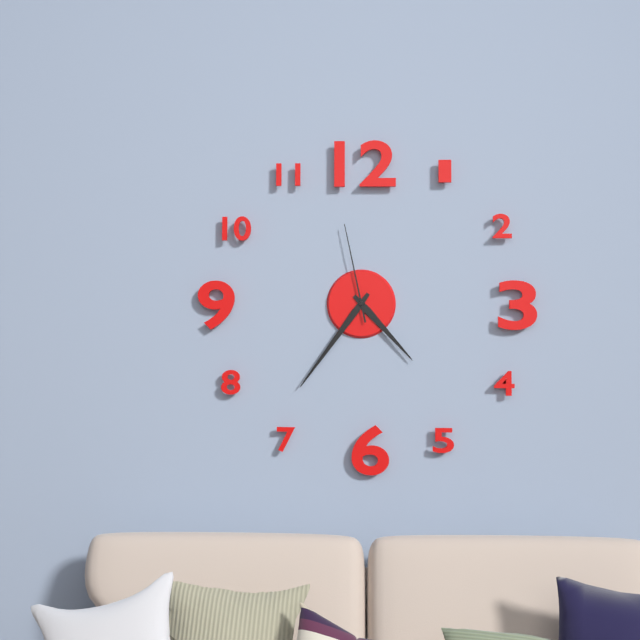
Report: h=4 m=36 s=58
